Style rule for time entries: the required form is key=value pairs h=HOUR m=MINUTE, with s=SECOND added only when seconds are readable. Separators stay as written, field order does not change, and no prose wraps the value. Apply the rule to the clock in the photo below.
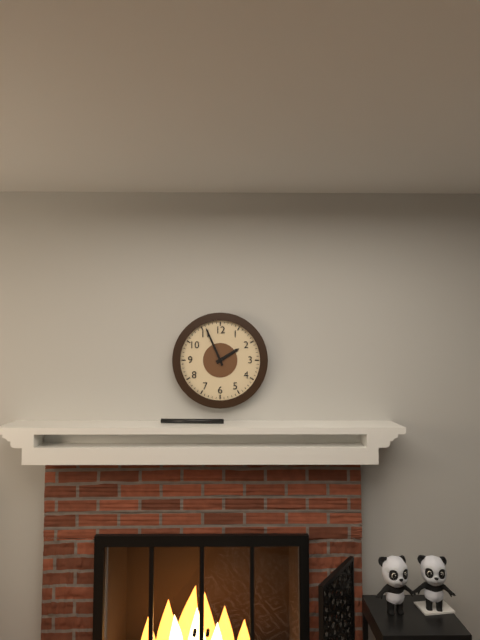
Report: h=1 m=56
